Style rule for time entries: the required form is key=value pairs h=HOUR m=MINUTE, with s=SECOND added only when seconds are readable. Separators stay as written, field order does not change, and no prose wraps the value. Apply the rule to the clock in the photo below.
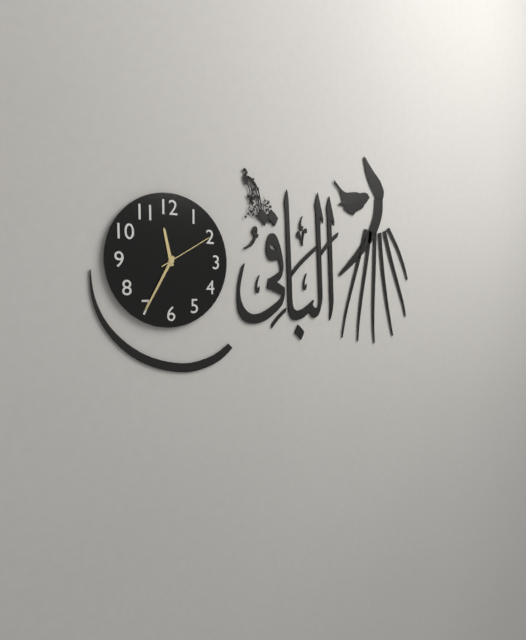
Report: h=11 m=35 s=10
